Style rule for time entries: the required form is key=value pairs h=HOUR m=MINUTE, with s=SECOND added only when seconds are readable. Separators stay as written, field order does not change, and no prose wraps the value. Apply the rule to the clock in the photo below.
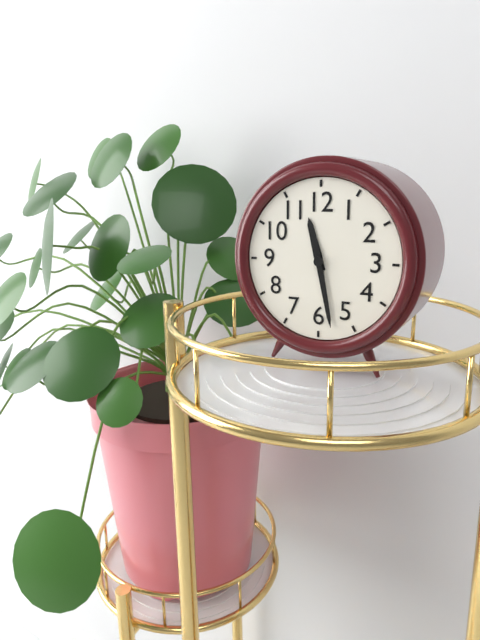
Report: h=11 m=28
